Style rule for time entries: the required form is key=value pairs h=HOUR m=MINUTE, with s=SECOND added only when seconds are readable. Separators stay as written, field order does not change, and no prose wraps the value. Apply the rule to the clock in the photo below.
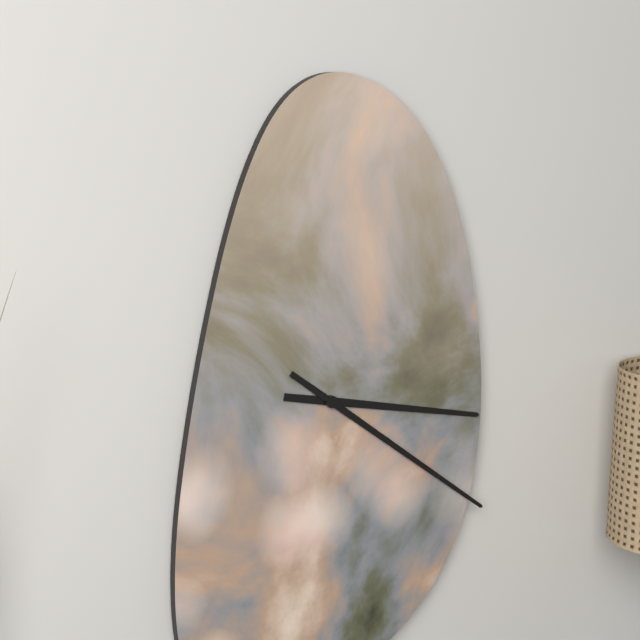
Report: h=3 m=21
